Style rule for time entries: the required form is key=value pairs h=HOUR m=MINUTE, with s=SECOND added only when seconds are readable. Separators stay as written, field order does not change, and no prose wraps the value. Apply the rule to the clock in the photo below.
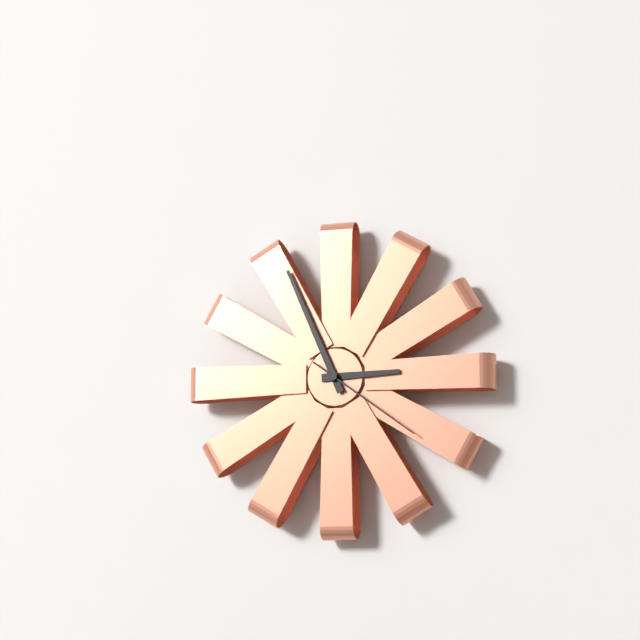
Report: h=2 m=56 s=21
